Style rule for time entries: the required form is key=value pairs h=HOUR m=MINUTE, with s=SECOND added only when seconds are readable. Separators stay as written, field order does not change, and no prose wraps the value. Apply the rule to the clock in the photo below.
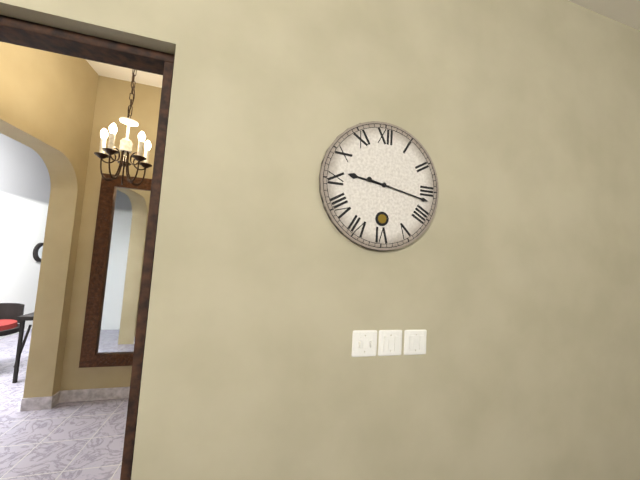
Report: h=9 m=17
